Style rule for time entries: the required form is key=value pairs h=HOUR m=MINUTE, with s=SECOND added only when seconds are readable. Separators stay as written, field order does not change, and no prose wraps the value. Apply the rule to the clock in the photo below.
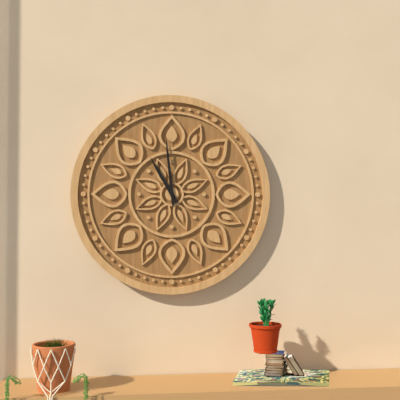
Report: h=10 m=59
